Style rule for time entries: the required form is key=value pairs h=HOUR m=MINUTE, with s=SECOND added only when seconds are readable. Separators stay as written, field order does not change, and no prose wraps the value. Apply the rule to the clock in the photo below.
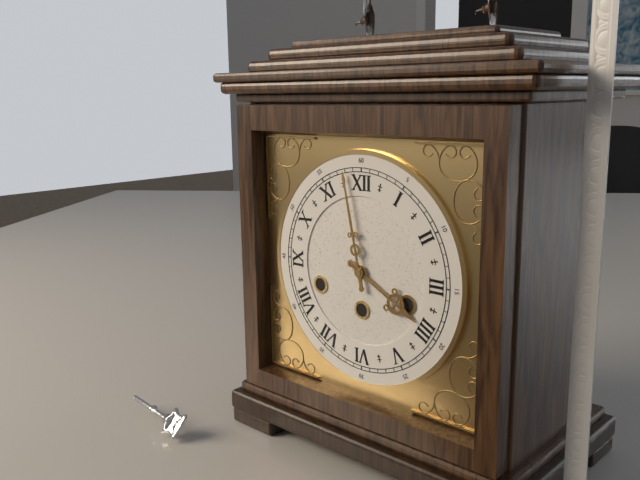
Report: h=3 m=58
